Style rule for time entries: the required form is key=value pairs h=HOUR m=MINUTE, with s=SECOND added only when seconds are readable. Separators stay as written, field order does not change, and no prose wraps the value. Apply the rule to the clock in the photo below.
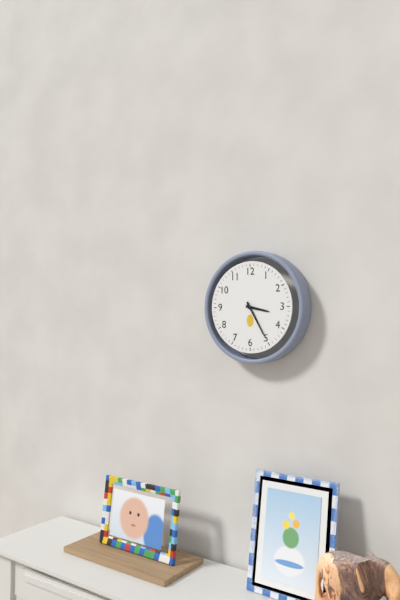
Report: h=3 m=25
